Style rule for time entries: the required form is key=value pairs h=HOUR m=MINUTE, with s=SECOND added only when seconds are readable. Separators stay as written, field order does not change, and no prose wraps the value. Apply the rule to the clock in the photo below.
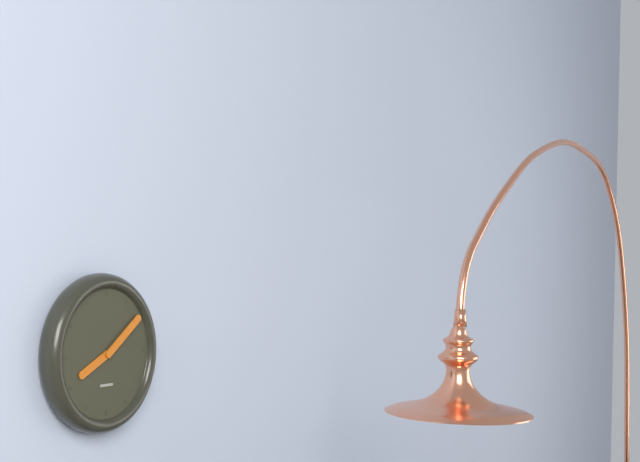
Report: h=8 m=9
